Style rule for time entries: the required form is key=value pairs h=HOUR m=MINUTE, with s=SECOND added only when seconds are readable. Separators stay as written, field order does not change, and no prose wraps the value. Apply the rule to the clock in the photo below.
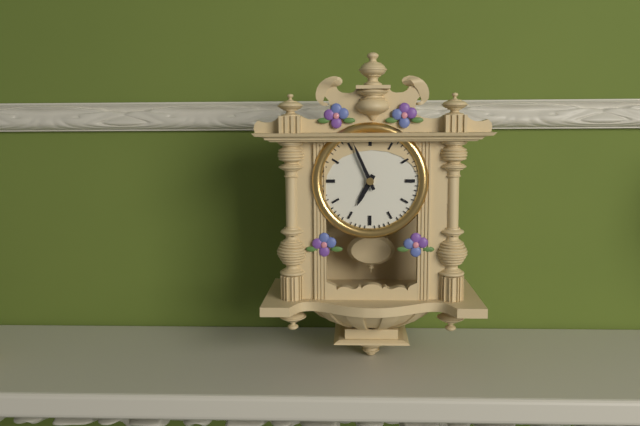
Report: h=6 m=56
